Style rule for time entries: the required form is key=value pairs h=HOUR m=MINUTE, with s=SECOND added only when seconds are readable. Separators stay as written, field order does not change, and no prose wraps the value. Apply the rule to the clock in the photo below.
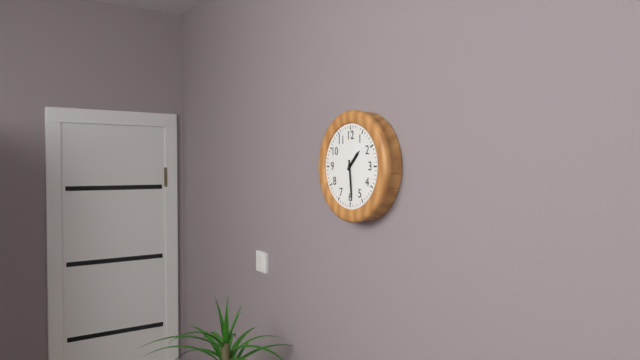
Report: h=1 m=29
